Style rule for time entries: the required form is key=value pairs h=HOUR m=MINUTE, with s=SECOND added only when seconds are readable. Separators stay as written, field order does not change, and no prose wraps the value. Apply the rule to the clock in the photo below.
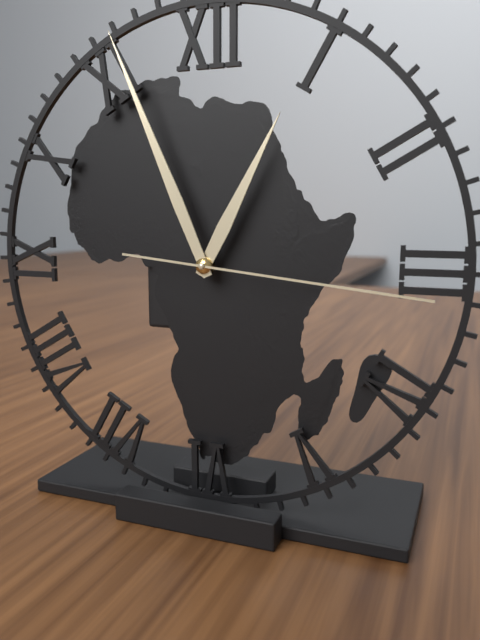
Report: h=12 m=56 s=16
